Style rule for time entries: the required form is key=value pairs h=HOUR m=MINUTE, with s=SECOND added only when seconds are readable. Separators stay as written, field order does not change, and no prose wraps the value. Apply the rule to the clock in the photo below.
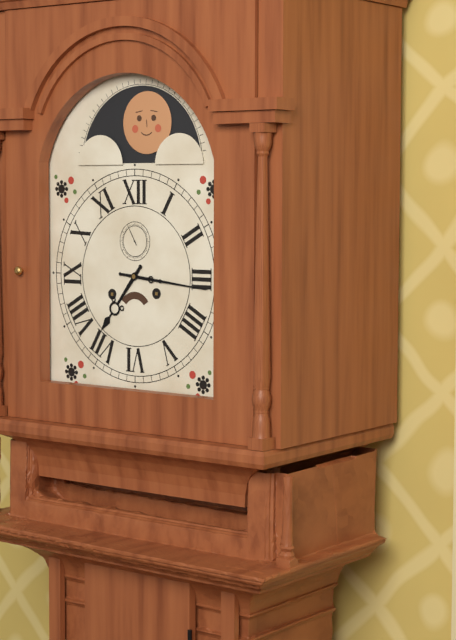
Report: h=7 m=16
